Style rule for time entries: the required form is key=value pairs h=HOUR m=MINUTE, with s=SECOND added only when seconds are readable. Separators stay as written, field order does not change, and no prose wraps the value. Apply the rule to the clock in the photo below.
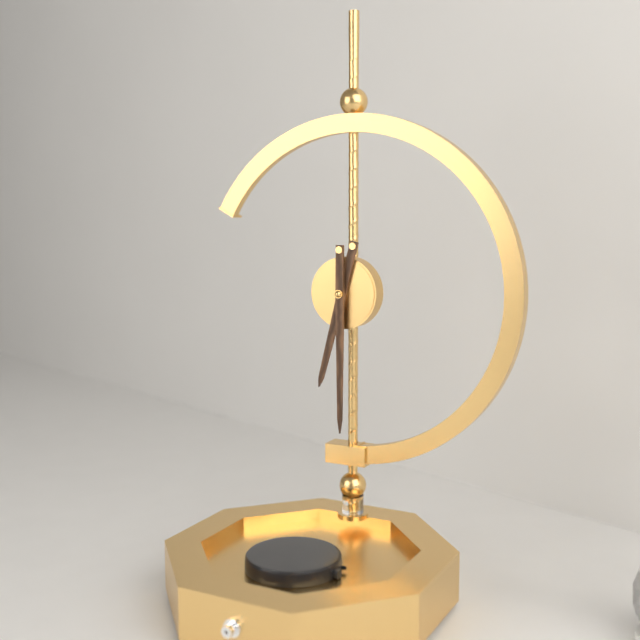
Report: h=6 m=30
